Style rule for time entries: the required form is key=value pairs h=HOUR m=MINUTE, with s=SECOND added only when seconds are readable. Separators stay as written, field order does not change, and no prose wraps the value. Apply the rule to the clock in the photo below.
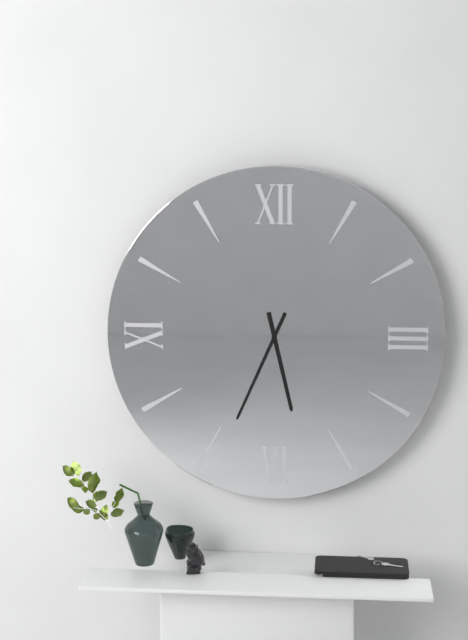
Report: h=5 m=34
